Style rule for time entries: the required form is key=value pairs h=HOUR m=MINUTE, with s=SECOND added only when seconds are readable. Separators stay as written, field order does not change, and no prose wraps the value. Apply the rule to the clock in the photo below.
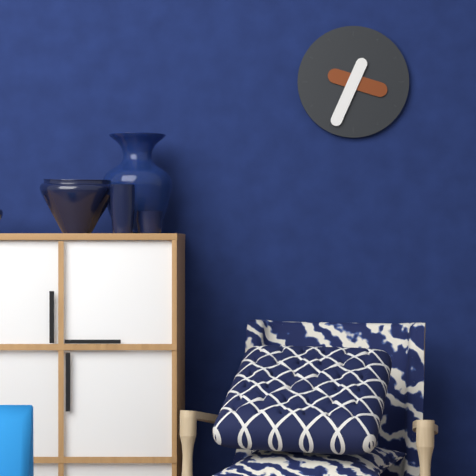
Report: h=3 m=34
